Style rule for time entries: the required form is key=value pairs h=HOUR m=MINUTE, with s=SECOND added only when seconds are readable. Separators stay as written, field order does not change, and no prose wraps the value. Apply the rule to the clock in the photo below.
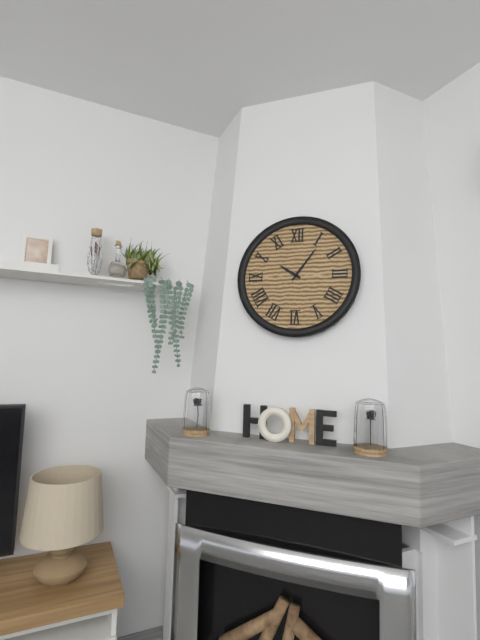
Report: h=10 m=6
